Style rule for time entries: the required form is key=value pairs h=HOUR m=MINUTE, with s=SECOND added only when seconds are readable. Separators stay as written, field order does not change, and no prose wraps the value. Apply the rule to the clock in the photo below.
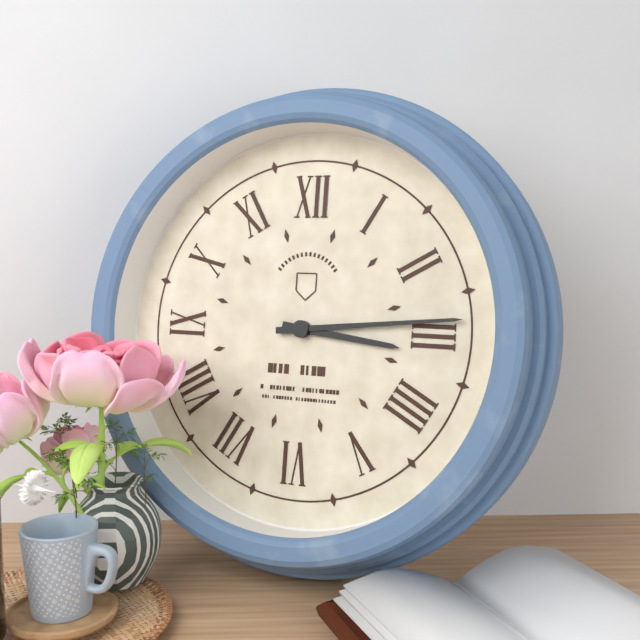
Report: h=3 m=14
